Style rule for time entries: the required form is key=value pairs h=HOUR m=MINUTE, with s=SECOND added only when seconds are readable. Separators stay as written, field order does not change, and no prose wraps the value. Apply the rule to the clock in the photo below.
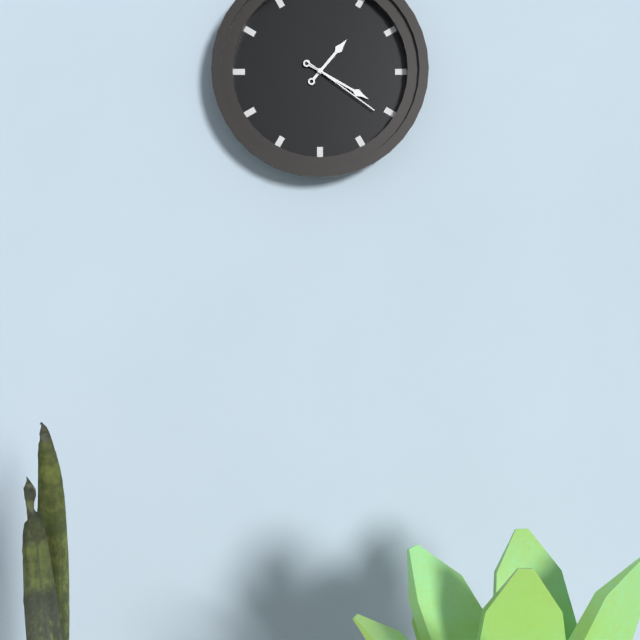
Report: h=1 m=20 s=21
